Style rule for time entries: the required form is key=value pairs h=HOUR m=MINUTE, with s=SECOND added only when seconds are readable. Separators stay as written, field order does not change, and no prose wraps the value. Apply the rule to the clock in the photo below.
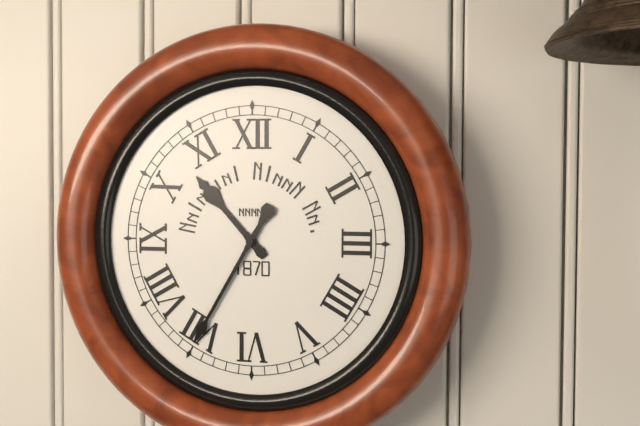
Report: h=10 m=35
